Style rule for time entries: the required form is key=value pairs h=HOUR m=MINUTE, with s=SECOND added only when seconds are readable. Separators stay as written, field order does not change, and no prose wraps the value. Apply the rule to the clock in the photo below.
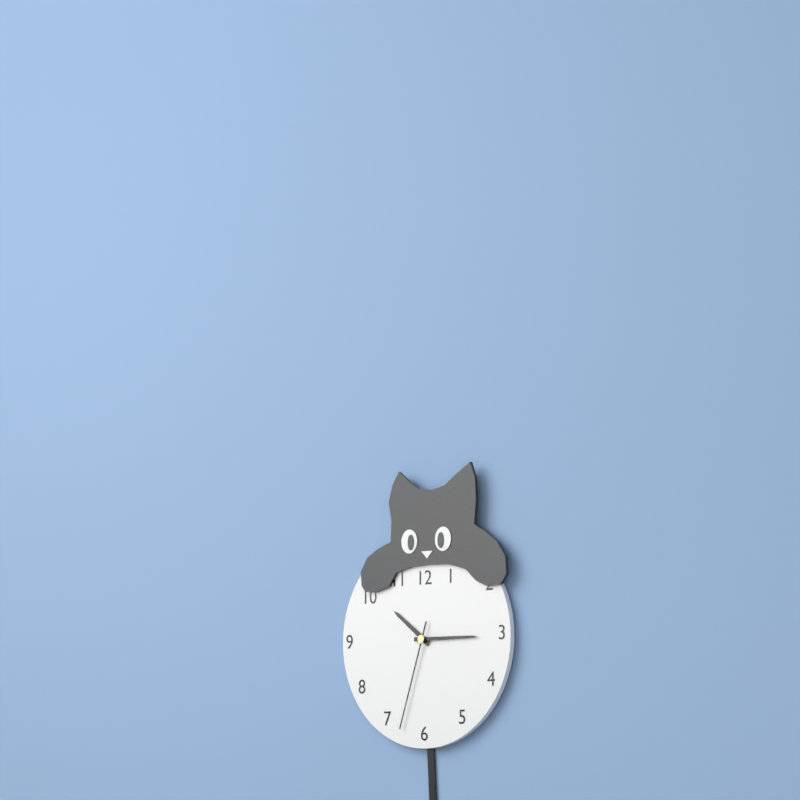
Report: h=10 m=15 s=33
